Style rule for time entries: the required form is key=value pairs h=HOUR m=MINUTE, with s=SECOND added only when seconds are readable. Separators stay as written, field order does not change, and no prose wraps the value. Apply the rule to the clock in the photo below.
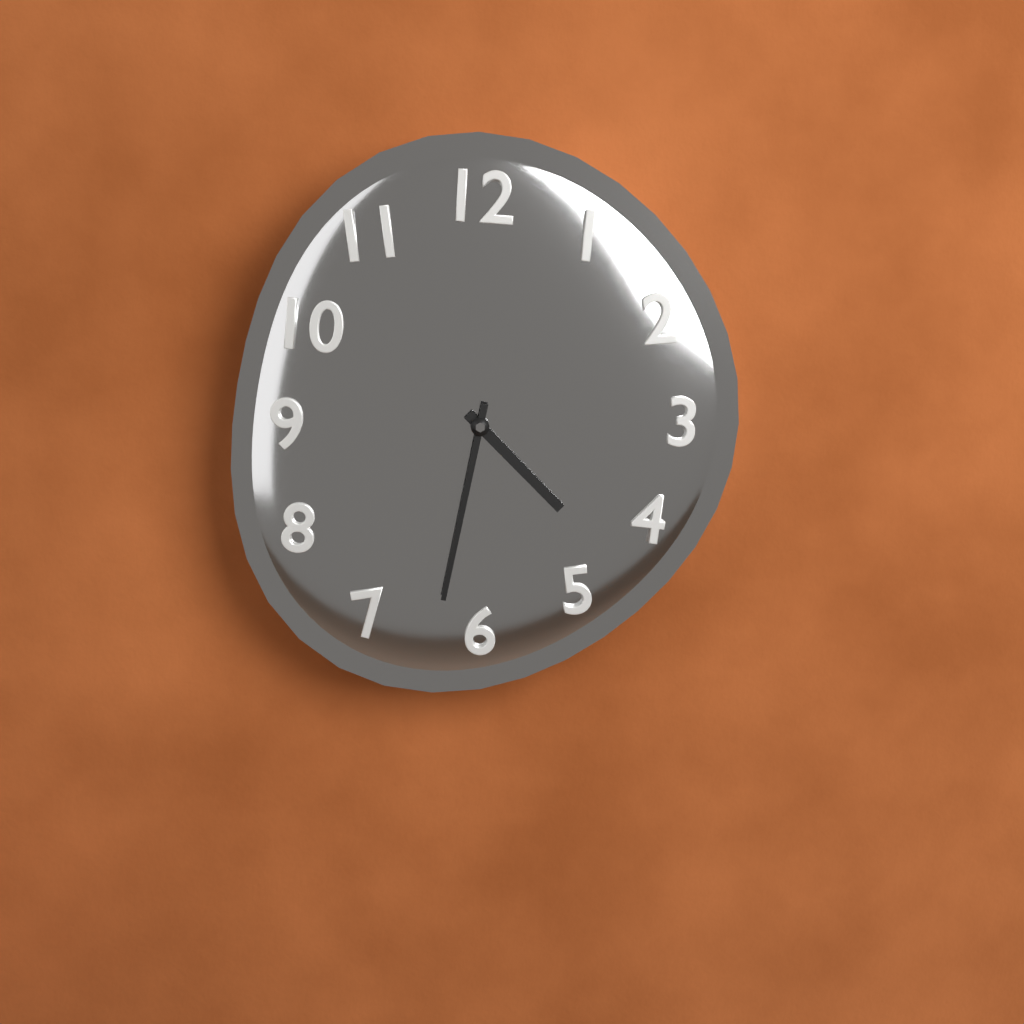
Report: h=4 m=32
